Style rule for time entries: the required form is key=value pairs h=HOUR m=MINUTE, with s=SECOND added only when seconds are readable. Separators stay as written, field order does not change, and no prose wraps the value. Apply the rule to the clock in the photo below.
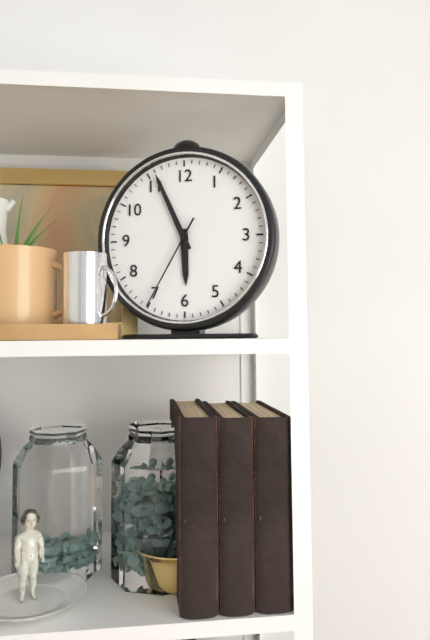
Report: h=5 m=56 s=35
